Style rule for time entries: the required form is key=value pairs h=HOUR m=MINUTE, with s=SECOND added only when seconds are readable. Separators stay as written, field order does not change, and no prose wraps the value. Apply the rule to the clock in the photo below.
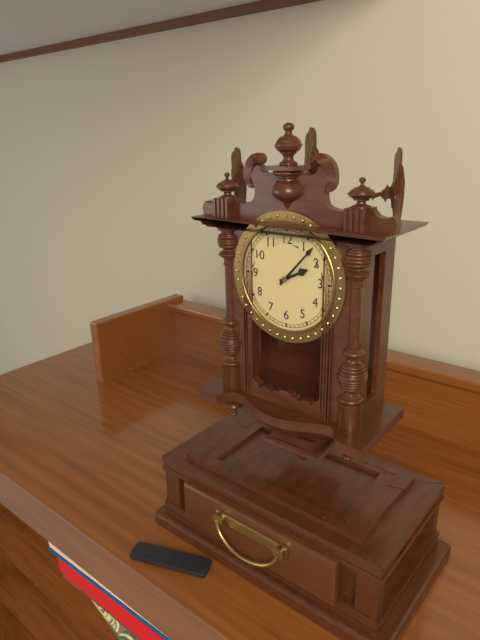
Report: h=2 m=7
